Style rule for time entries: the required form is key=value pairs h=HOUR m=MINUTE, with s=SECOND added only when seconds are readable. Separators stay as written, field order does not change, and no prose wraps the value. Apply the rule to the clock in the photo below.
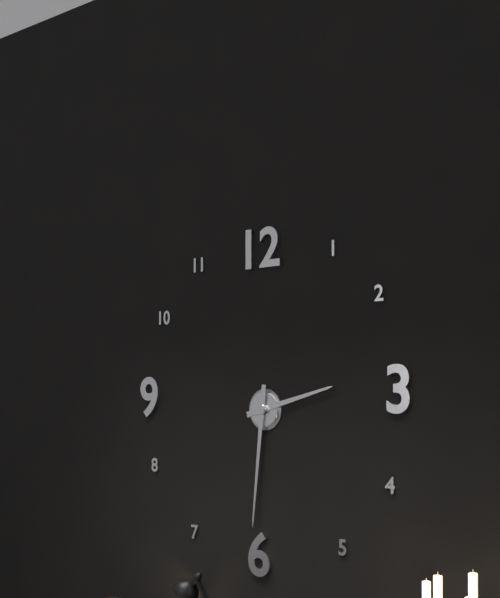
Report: h=2 m=31
